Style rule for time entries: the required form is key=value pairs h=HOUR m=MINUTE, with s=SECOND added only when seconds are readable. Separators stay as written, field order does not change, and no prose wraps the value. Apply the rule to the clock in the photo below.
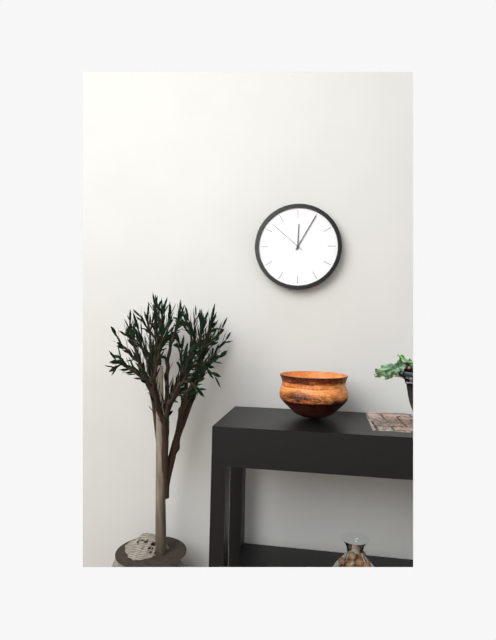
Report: h=12 m=5
